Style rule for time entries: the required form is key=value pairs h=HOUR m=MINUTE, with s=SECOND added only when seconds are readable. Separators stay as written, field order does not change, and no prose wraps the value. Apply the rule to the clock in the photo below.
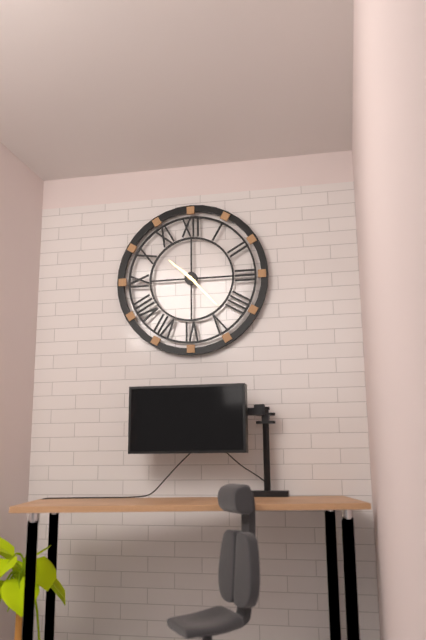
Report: h=10 m=23
